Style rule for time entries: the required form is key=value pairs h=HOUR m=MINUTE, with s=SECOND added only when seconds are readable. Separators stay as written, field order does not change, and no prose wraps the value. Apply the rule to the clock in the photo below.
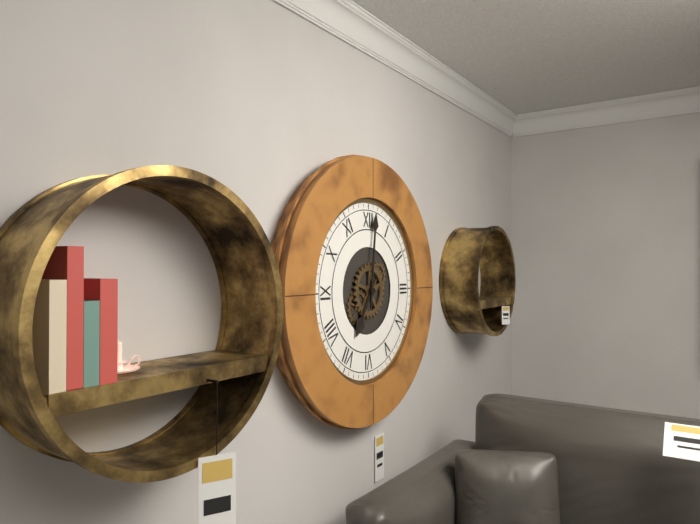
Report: h=7 m=1
